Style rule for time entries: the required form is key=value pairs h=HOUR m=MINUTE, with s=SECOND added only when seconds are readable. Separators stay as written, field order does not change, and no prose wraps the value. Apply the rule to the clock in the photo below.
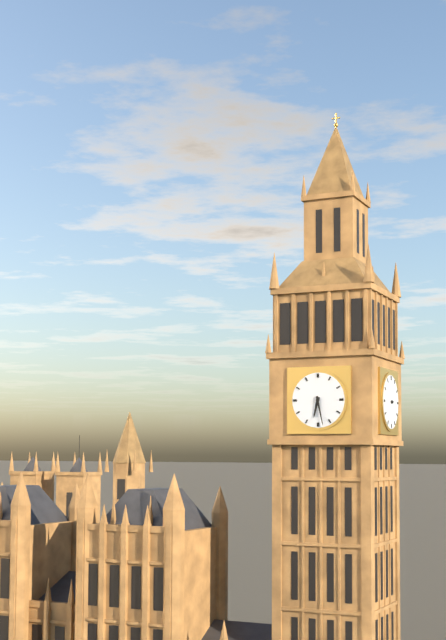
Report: h=6 m=28
